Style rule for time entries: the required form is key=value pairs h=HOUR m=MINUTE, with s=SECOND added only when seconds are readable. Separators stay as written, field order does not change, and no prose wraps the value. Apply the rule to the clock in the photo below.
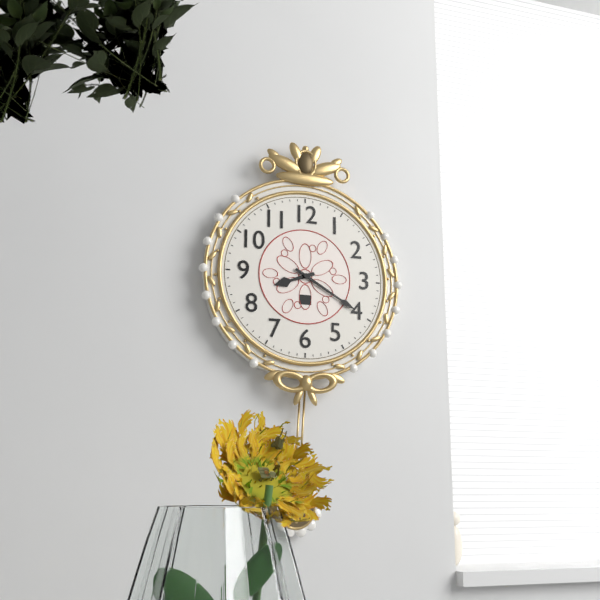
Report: h=8 m=20
